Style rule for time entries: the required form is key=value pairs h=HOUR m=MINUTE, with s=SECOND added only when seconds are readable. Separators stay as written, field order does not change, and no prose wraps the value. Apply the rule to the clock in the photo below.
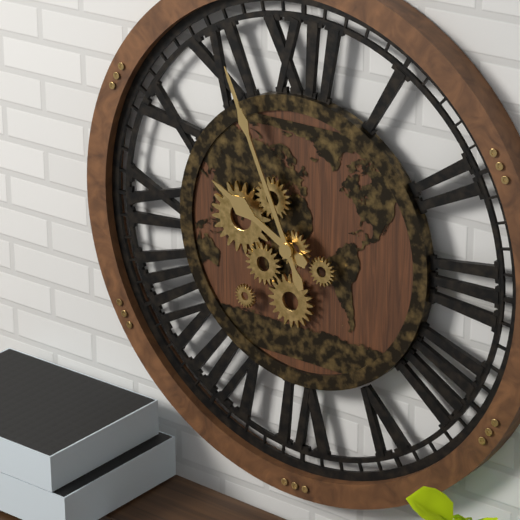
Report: h=9 m=56
